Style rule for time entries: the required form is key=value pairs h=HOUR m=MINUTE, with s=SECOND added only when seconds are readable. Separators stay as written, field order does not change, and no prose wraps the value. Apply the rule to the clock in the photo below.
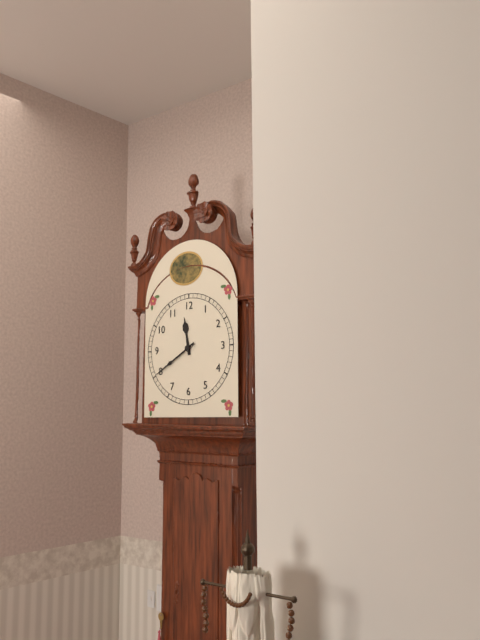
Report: h=11 m=40
